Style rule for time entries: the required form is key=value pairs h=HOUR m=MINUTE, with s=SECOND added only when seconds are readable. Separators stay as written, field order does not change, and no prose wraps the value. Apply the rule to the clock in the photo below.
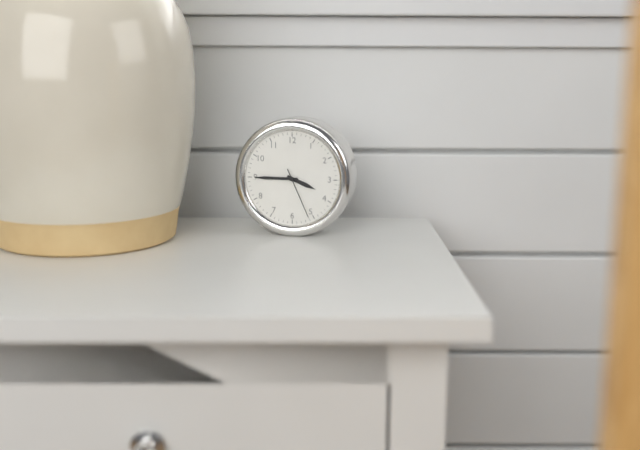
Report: h=3 m=45 s=26
